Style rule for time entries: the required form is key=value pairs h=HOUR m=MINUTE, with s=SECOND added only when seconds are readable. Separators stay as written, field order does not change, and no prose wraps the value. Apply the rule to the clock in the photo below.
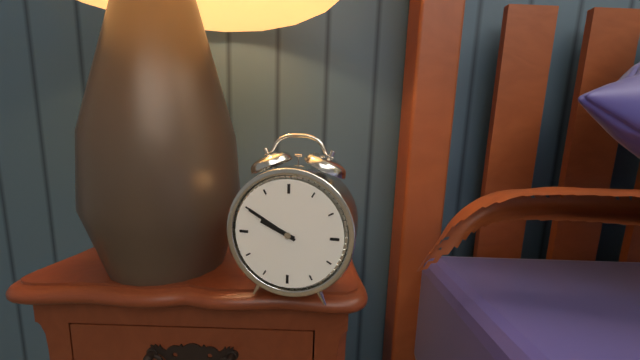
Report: h=9 m=50
